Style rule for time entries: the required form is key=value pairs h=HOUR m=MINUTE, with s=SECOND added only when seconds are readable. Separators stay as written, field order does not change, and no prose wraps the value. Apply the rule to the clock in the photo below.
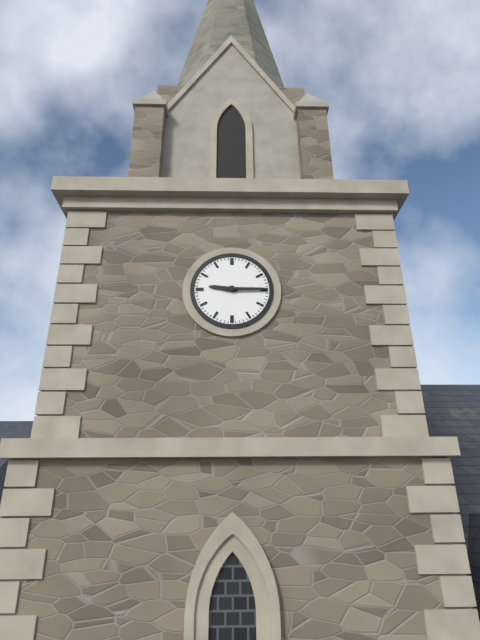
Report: h=9 m=15
